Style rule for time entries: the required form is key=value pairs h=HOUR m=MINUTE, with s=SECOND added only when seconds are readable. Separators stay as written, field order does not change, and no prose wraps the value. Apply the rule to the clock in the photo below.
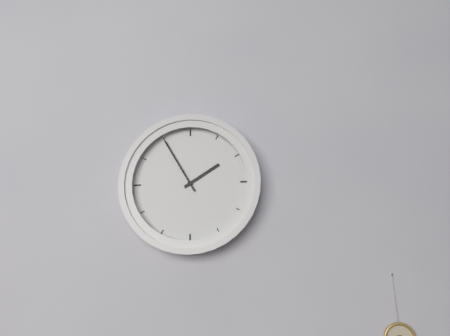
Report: h=1 m=55
